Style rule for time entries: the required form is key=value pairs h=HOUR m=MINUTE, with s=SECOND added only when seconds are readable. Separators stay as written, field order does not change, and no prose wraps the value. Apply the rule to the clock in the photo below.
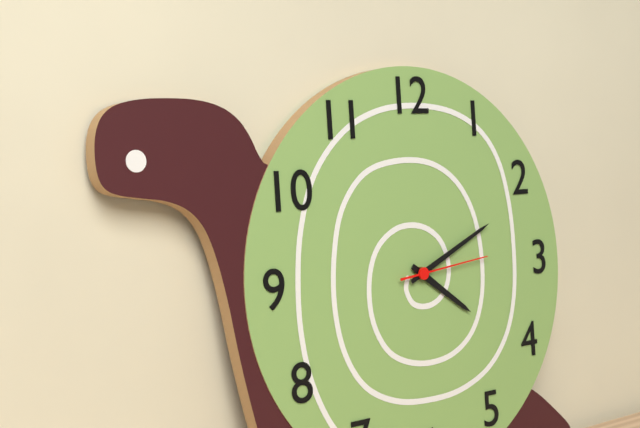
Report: h=4 m=11 s=14
